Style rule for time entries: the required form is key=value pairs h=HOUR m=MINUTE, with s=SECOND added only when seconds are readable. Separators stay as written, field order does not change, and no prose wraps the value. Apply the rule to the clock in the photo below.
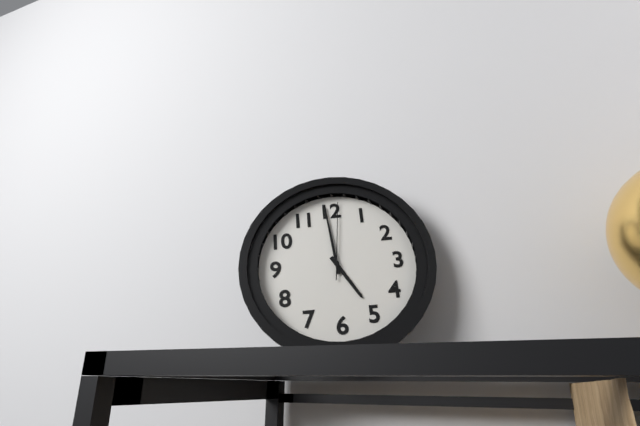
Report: h=4 m=59 s=1
